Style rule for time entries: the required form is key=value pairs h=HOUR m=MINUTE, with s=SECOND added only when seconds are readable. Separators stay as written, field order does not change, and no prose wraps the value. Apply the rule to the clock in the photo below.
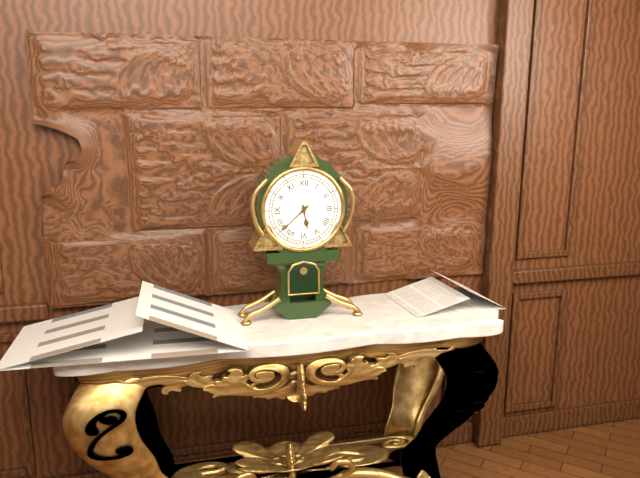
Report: h=5 m=38
